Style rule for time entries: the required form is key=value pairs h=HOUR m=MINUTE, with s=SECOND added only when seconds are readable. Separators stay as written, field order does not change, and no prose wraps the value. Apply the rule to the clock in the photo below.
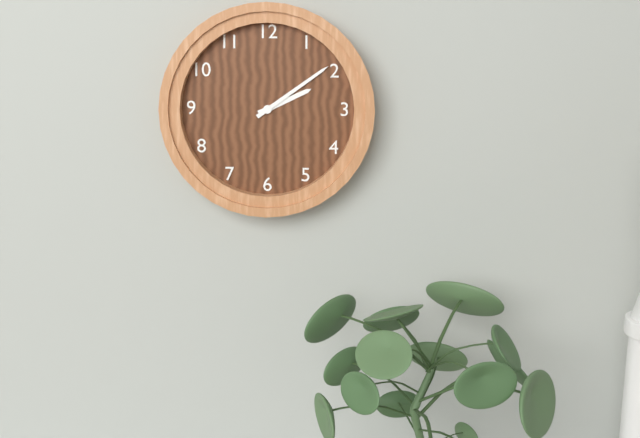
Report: h=2 m=9
